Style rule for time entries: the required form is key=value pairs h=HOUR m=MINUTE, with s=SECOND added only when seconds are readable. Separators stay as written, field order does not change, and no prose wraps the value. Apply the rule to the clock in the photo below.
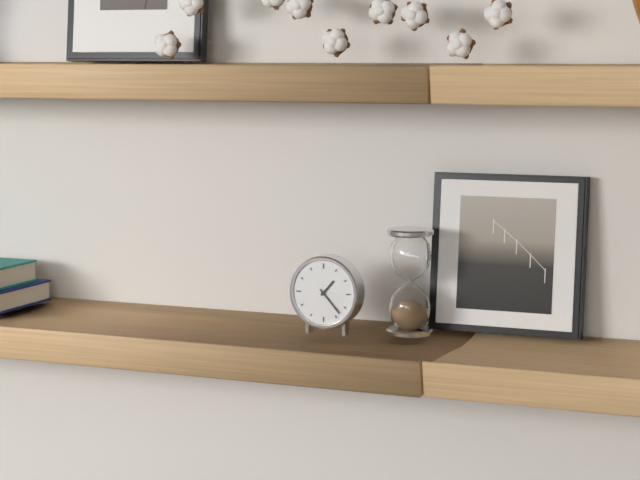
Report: h=1 m=23
